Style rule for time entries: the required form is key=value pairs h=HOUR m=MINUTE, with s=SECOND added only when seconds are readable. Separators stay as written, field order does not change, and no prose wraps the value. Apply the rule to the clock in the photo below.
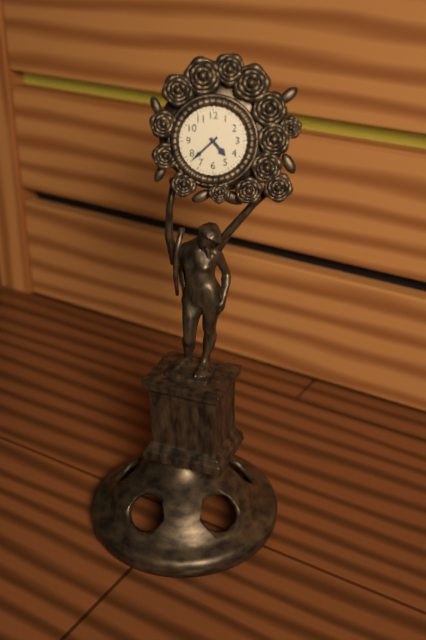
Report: h=4 m=38
